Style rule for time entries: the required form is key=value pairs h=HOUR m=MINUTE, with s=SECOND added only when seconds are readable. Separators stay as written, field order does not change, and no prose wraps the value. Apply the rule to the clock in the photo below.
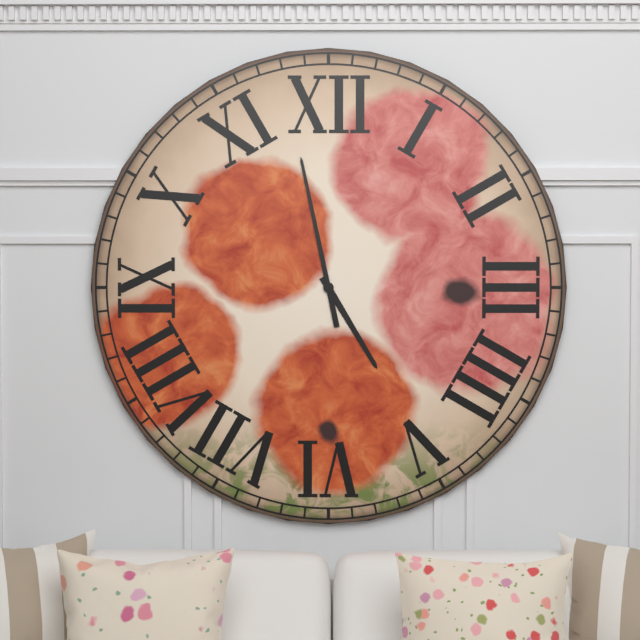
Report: h=4 m=58
